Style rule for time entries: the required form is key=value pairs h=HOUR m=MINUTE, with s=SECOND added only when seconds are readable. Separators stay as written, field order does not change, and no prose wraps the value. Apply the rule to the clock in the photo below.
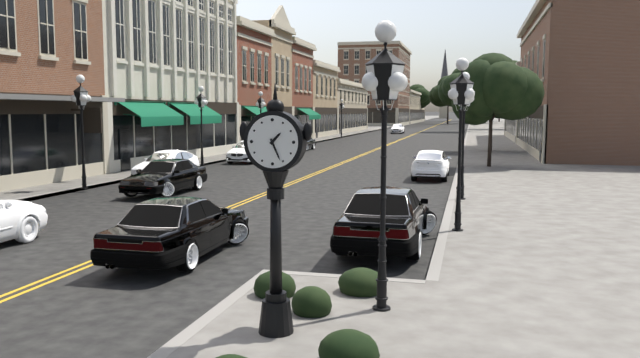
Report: h=1 m=26
